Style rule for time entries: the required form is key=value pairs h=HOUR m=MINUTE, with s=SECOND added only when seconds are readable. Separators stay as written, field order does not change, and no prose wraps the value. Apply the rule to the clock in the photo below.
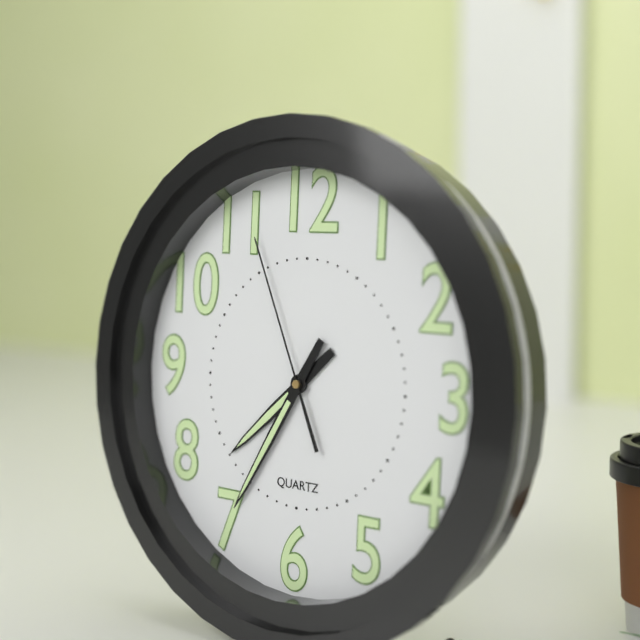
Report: h=7 m=35 s=56
